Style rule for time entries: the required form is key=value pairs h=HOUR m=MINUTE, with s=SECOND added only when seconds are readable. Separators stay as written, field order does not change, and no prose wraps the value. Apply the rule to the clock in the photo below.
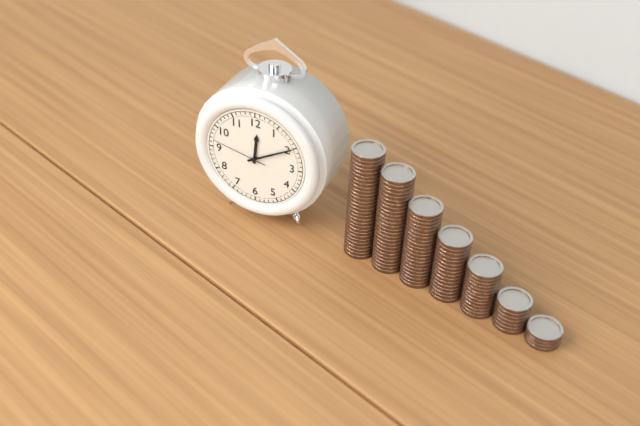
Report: h=12 m=10 s=47
